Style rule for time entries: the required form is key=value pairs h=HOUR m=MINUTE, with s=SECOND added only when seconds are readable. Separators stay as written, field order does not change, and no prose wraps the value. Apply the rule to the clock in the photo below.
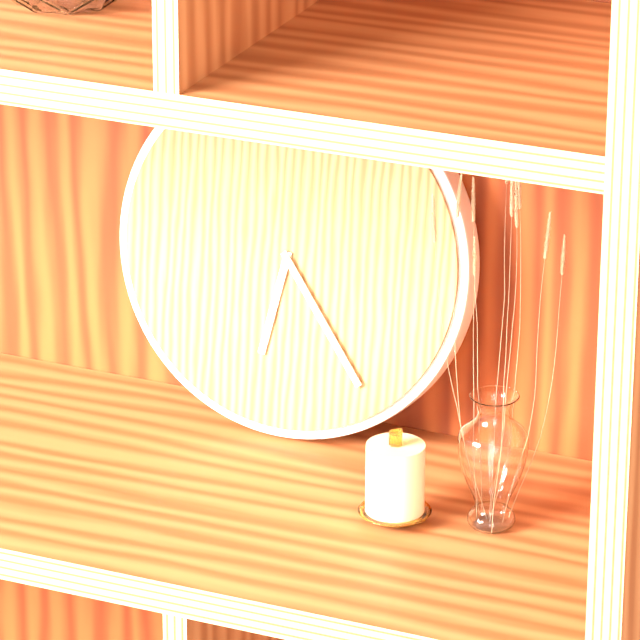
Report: h=6 m=24
